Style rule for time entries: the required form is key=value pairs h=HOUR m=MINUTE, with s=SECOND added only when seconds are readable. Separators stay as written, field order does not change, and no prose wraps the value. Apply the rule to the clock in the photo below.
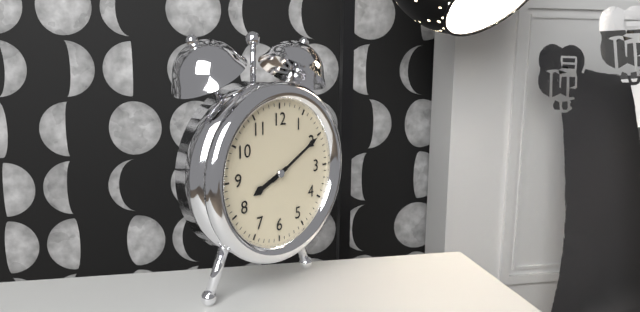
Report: h=8 m=10
